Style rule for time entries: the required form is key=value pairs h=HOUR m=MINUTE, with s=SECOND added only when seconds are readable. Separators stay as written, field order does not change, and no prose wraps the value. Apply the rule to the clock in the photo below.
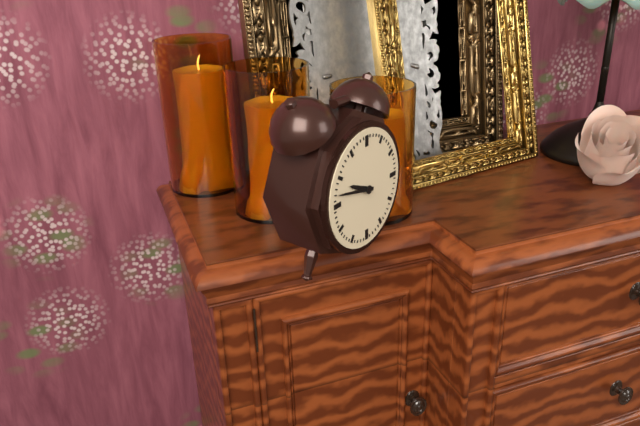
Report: h=9 m=47
